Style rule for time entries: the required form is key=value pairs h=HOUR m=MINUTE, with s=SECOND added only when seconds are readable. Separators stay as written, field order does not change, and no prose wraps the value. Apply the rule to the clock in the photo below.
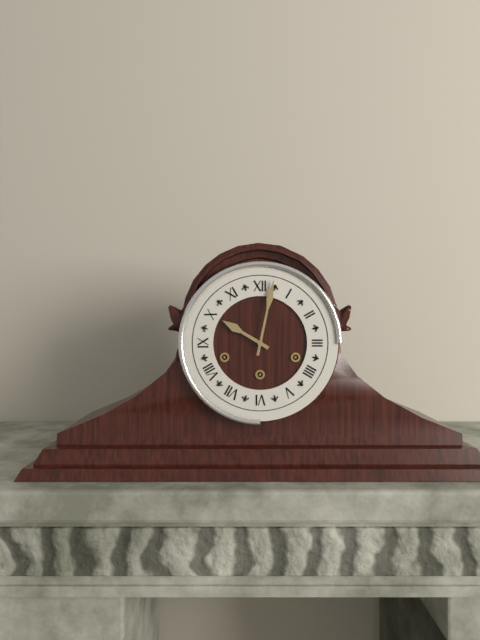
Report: h=10 m=2
